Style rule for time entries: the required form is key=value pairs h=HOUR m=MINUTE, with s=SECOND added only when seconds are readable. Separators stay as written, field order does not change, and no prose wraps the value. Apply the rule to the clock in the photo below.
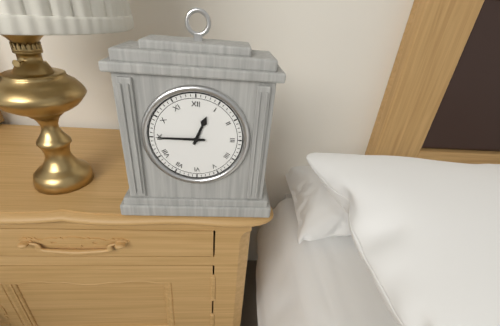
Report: h=12 m=45
